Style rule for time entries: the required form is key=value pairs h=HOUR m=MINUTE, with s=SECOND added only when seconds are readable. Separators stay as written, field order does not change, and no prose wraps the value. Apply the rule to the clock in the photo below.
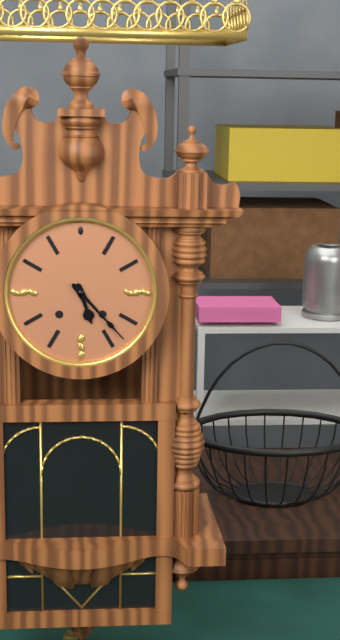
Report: h=5 m=23
